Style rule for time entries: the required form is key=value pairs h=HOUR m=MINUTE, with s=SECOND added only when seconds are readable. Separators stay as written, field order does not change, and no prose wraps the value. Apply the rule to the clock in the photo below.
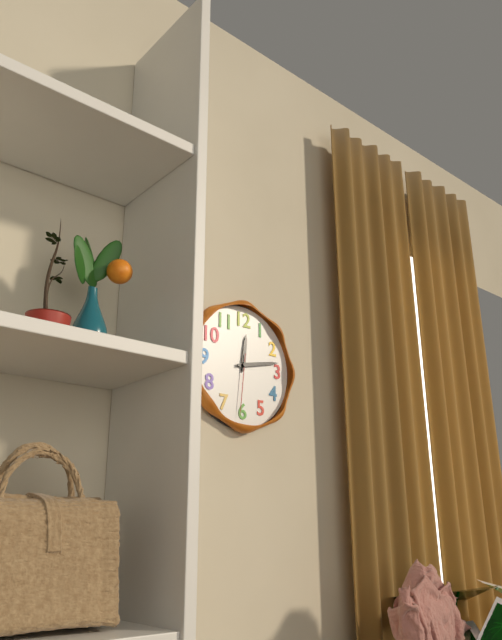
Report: h=12 m=13 s=31
